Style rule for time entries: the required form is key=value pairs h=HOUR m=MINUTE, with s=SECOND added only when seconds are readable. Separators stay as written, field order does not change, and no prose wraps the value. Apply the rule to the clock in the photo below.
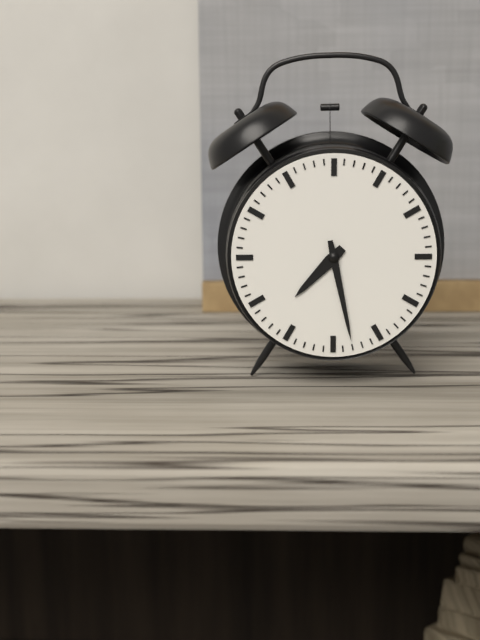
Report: h=7 m=28
